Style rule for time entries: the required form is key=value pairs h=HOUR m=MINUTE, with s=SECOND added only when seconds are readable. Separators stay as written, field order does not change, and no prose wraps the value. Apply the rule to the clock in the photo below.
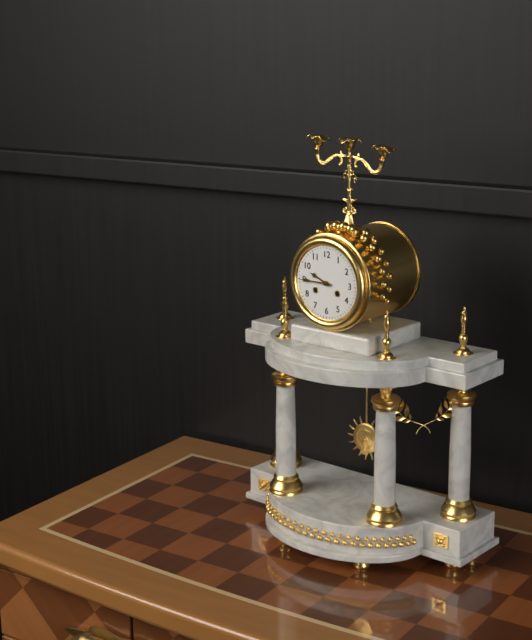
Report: h=9 m=45
